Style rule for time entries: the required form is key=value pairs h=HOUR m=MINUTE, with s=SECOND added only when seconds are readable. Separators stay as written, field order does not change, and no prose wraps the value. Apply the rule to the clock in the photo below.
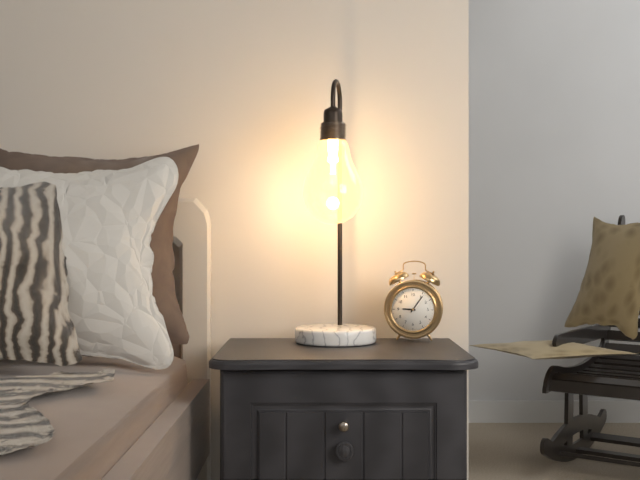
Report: h=9 m=6
